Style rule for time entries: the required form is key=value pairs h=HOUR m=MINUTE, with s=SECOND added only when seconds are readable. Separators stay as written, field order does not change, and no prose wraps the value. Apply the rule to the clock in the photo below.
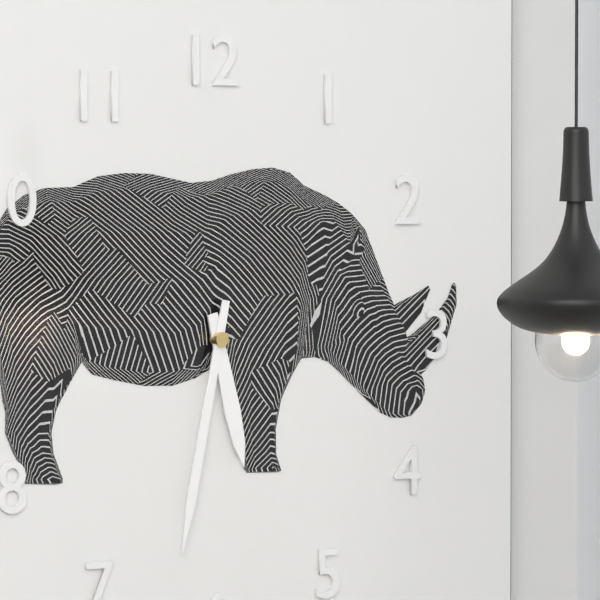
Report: h=5 m=32
